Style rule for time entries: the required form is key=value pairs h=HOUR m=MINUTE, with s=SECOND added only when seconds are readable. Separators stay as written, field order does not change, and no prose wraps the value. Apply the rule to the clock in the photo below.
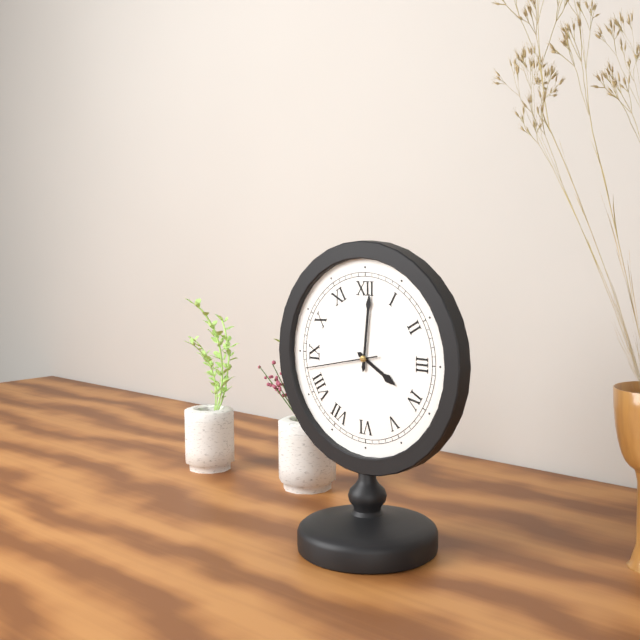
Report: h=4 m=1 s=43
